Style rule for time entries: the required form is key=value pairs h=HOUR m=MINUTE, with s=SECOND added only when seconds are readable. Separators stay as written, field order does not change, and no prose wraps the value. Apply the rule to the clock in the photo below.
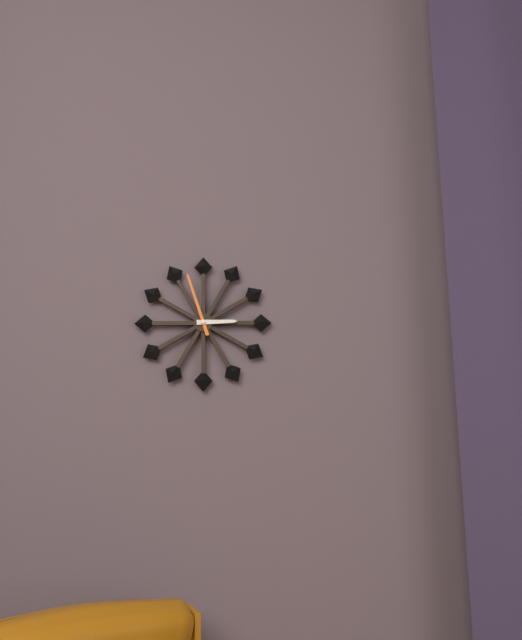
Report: h=2 m=57
